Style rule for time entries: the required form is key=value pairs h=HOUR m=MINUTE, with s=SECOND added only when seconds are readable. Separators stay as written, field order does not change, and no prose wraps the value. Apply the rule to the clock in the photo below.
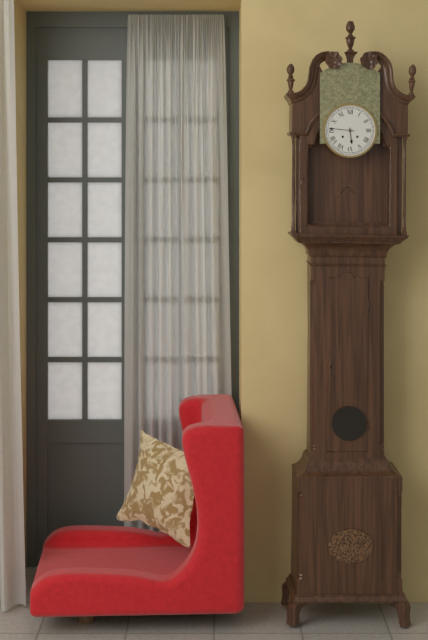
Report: h=5 m=46
